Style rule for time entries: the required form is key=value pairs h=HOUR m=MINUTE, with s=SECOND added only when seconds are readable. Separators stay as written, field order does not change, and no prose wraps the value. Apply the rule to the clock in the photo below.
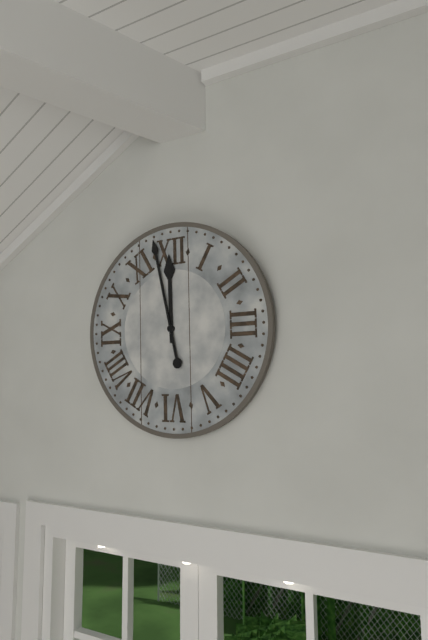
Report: h=11 m=58
